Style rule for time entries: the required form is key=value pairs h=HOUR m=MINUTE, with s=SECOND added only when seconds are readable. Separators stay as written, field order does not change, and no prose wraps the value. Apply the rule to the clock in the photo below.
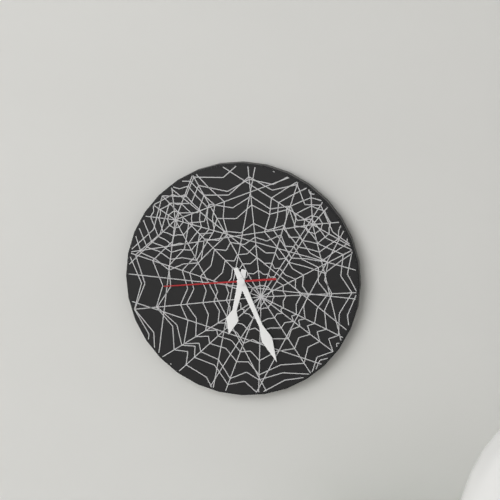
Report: h=6 m=26 s=44
